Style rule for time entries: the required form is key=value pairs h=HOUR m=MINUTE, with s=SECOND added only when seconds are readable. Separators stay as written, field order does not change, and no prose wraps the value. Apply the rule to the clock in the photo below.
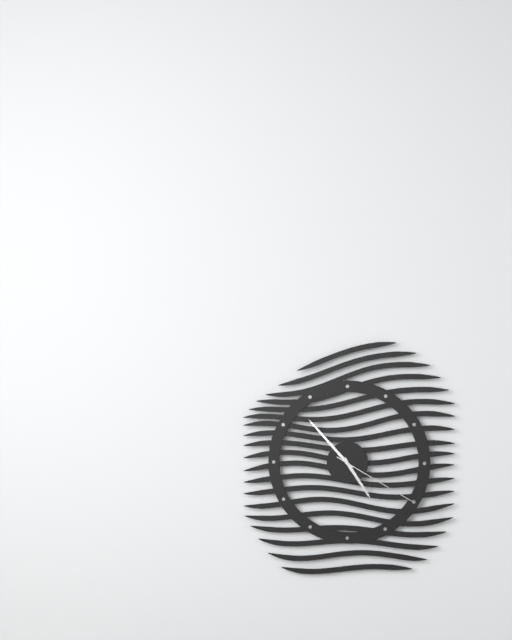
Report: h=4 m=53 s=20
